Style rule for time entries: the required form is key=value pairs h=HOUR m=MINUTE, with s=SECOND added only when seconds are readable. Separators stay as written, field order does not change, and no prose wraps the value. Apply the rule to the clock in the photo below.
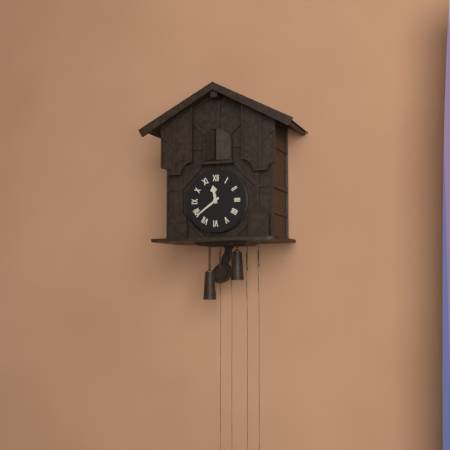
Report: h=11 m=39
